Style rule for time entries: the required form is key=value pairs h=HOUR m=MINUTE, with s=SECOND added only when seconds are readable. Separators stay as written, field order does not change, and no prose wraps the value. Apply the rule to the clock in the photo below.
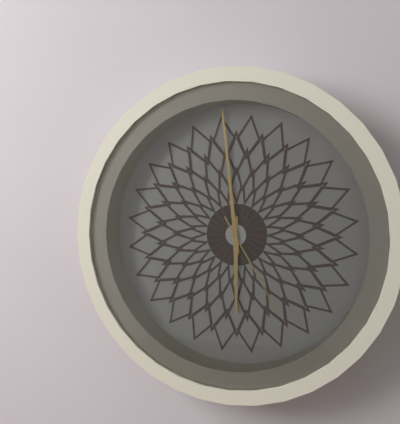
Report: h=5 m=59 s=25
